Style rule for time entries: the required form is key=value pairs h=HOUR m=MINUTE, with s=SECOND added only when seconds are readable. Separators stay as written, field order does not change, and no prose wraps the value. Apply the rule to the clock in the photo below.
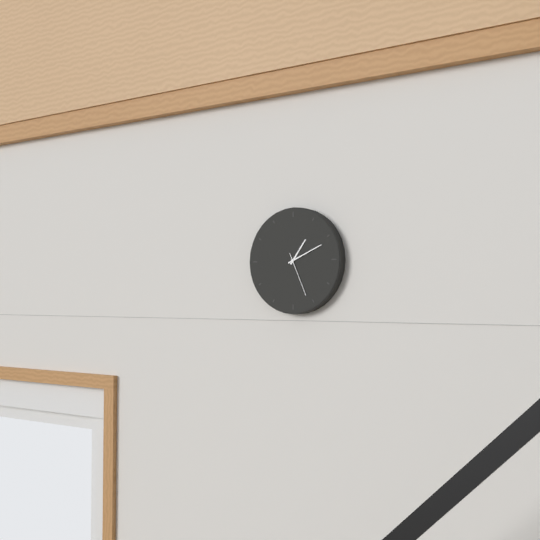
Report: h=1 m=11
